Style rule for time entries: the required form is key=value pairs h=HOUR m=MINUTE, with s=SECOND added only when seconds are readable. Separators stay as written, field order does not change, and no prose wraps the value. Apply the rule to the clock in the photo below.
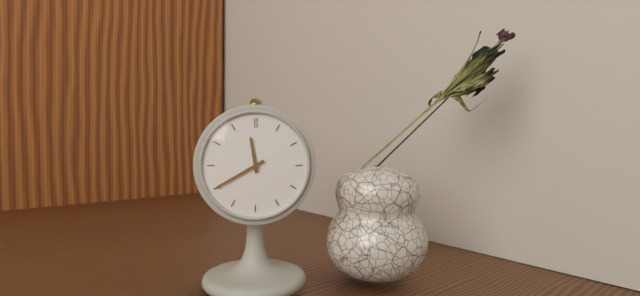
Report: h=11 m=40
